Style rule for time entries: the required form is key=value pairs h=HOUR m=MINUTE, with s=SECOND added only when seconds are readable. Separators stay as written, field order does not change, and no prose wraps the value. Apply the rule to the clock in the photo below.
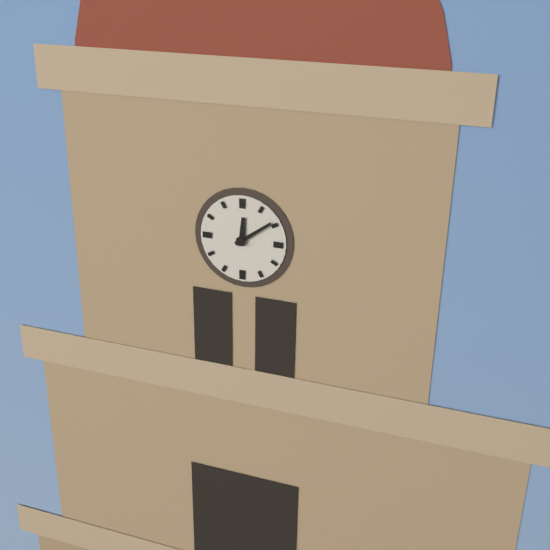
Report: h=12 m=9
